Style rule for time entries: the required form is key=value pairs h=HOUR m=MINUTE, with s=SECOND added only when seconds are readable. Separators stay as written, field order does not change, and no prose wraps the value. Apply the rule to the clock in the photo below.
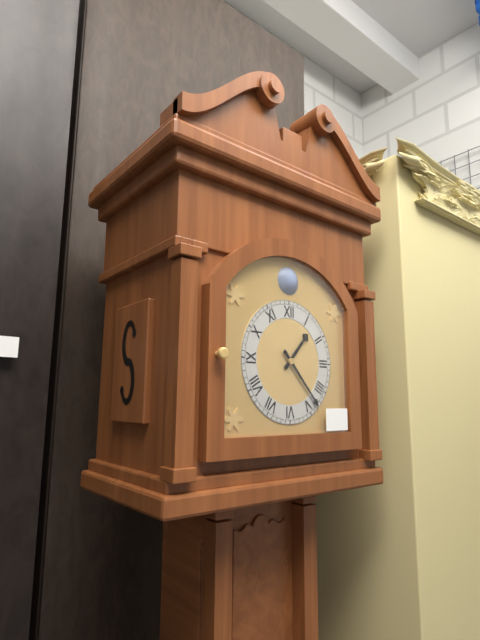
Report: h=1 m=23
